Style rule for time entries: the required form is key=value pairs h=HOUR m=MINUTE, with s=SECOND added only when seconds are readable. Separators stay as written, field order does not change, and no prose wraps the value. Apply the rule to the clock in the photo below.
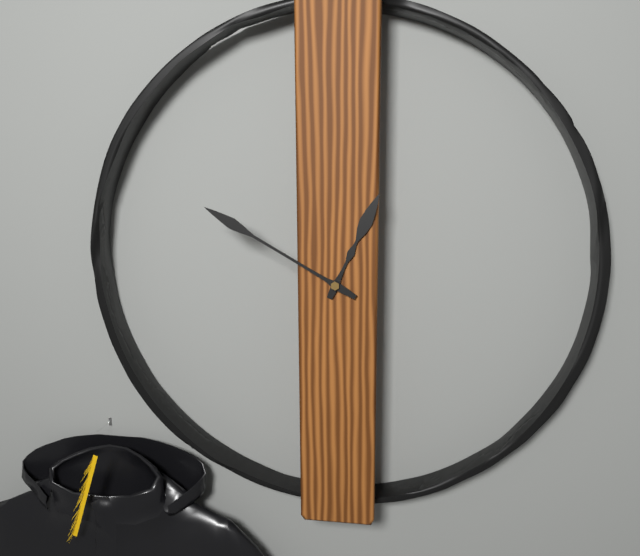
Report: h=12 m=50
